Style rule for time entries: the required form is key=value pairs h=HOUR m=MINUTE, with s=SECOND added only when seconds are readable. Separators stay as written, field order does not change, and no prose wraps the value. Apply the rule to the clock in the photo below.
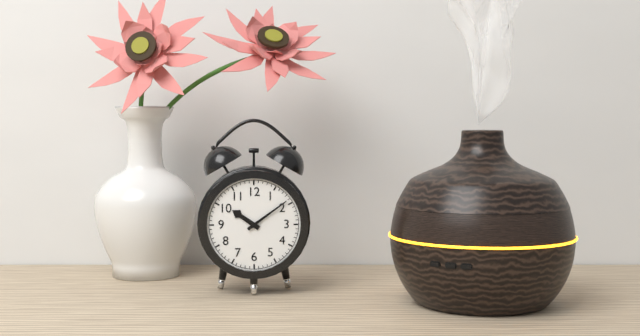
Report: h=10 m=9
